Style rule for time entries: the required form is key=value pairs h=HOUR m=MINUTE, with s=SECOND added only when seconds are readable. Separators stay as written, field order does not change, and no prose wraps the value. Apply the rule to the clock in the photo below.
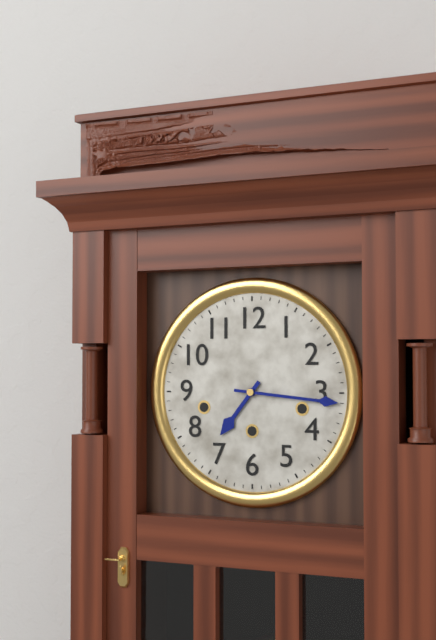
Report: h=7 m=16
